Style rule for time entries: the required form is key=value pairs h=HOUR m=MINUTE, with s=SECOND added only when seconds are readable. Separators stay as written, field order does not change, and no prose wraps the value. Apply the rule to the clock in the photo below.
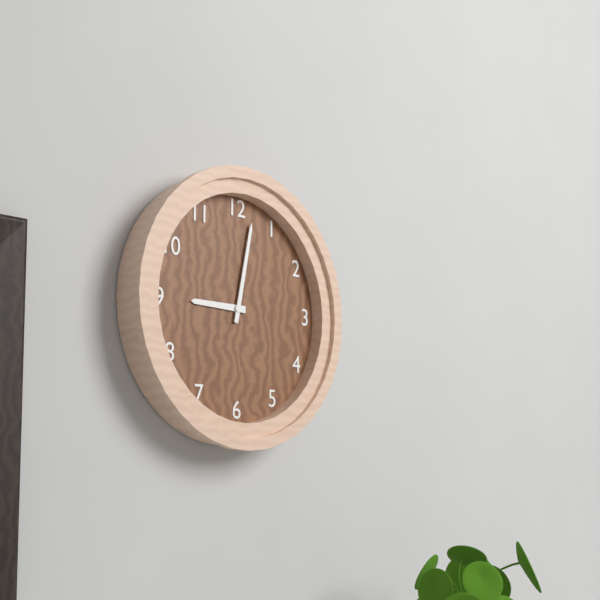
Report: h=9 m=2
